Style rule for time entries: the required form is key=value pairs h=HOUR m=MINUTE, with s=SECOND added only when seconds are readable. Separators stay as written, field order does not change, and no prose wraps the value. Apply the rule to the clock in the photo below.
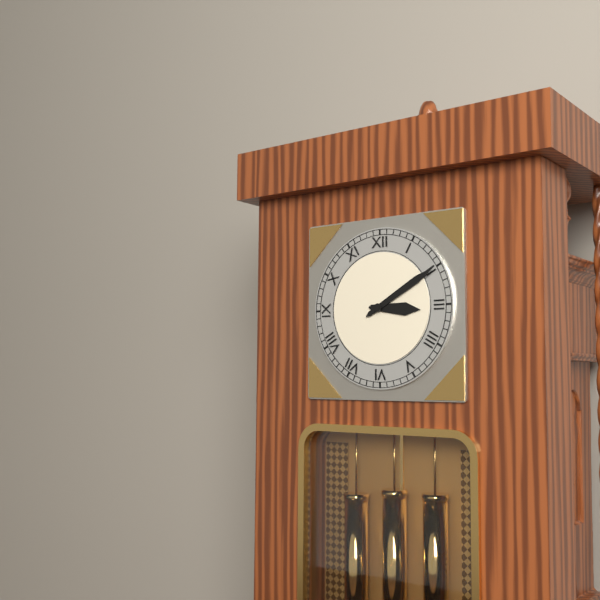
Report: h=3 m=10
